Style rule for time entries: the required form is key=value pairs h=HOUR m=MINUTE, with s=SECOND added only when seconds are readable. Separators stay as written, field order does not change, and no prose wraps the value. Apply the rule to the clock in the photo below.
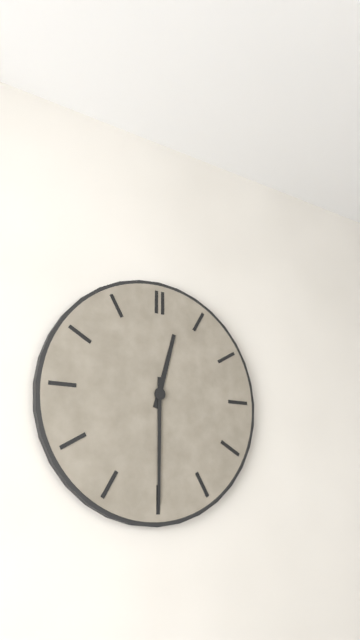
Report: h=12 m=30
